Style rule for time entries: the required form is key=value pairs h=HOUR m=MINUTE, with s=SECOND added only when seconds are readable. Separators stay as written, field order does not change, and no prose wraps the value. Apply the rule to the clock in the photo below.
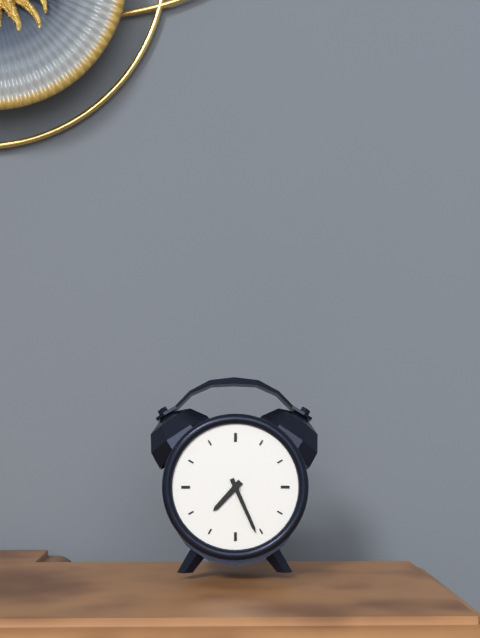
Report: h=7 m=26
